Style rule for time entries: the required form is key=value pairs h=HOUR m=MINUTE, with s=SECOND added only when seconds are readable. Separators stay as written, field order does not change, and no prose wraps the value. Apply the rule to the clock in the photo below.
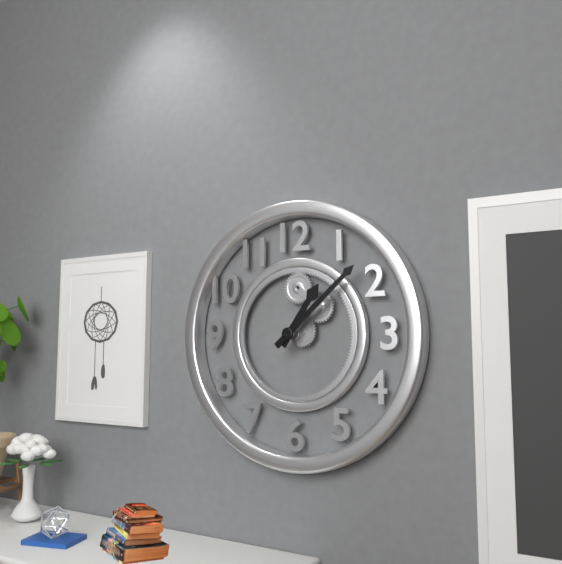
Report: h=1 m=8
